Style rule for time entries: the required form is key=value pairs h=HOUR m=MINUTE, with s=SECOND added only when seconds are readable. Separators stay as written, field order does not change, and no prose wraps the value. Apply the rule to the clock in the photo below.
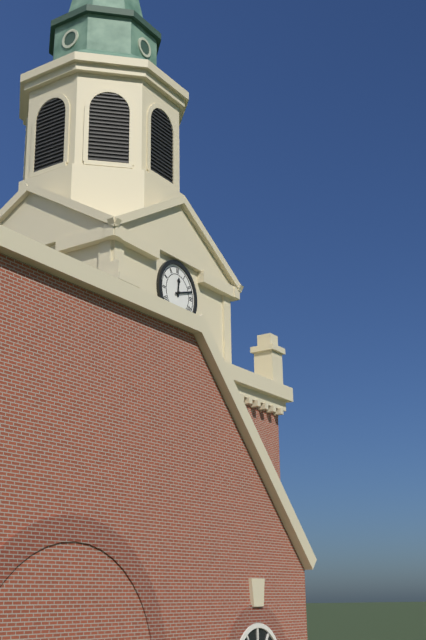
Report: h=12 m=12
